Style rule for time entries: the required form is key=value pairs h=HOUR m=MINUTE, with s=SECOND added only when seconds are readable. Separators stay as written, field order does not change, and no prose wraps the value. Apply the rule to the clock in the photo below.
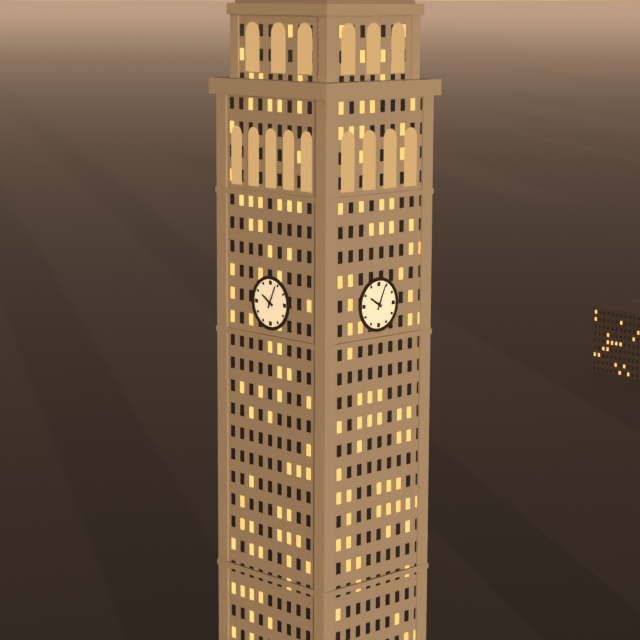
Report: h=10 m=4
